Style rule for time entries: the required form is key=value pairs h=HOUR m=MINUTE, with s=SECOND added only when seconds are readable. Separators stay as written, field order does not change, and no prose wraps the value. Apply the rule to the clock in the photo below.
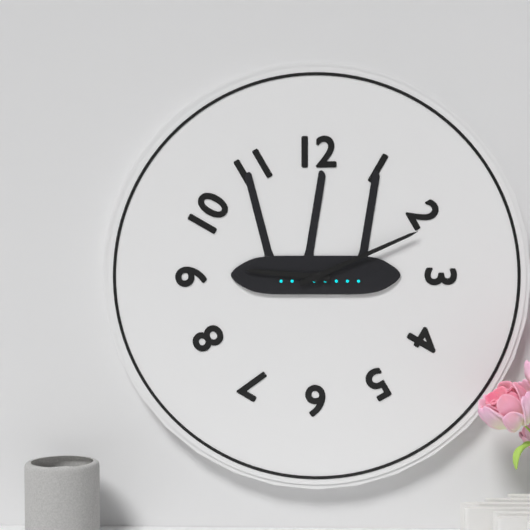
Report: h=9 m=11
